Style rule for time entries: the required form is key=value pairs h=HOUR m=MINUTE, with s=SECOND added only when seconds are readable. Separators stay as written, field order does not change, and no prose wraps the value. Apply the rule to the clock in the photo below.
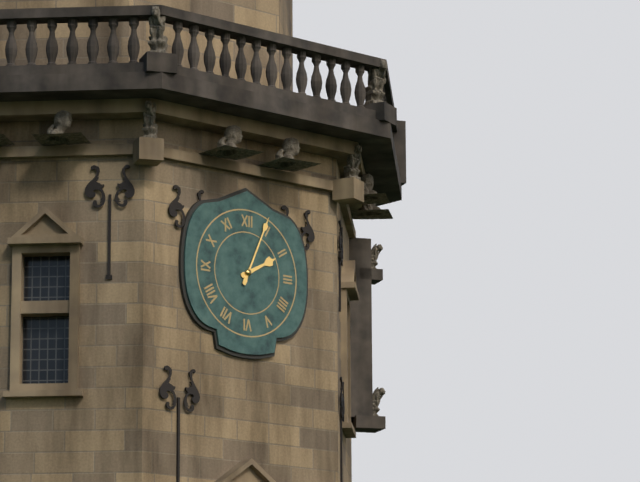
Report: h=2 m=4
